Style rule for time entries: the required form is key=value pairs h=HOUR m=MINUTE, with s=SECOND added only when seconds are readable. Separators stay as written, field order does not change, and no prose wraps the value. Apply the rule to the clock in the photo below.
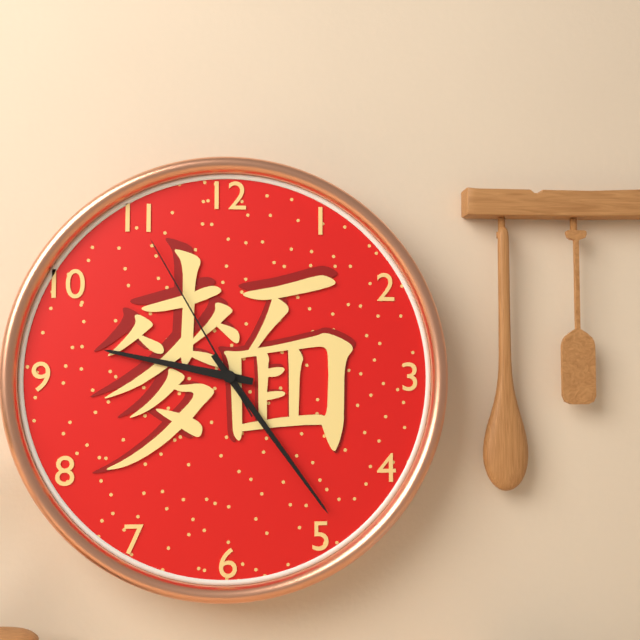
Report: h=9 m=24 s=55
